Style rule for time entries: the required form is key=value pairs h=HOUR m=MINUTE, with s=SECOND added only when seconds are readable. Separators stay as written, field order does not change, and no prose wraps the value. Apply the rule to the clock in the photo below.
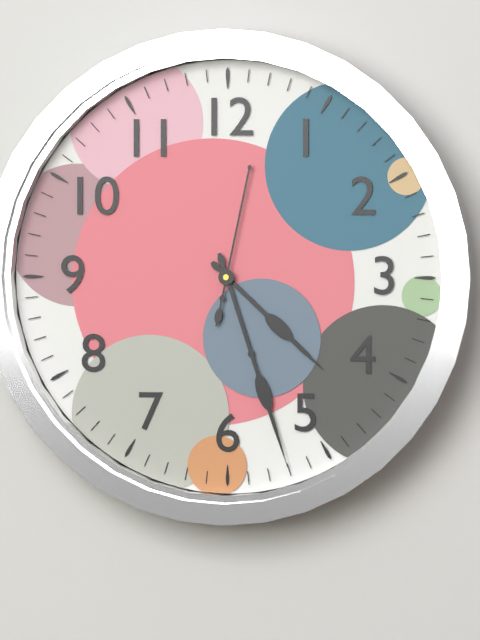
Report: h=4 m=27 s=2
